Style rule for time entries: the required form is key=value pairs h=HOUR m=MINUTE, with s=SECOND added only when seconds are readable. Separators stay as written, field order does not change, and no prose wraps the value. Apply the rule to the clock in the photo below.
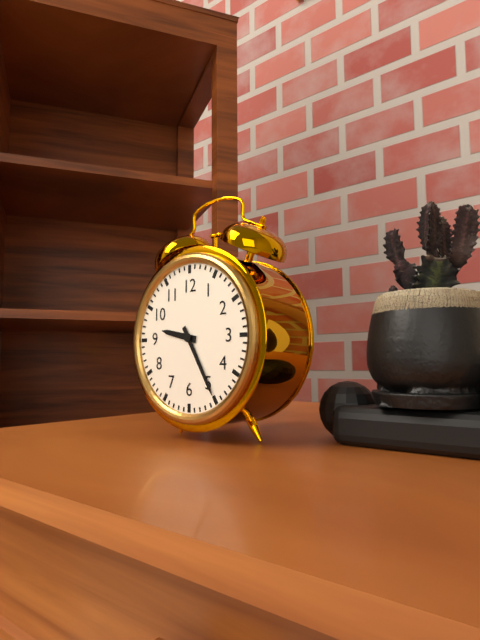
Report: h=9 m=25
